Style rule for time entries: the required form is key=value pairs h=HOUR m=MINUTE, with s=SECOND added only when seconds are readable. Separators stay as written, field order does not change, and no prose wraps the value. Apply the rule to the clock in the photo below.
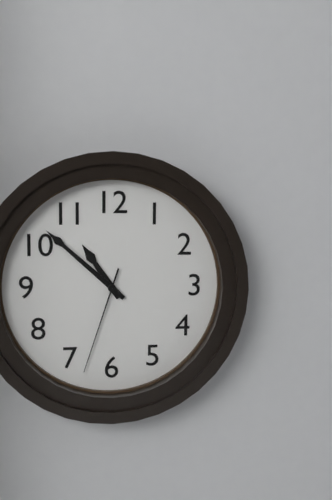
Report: h=10 m=52 s=33
